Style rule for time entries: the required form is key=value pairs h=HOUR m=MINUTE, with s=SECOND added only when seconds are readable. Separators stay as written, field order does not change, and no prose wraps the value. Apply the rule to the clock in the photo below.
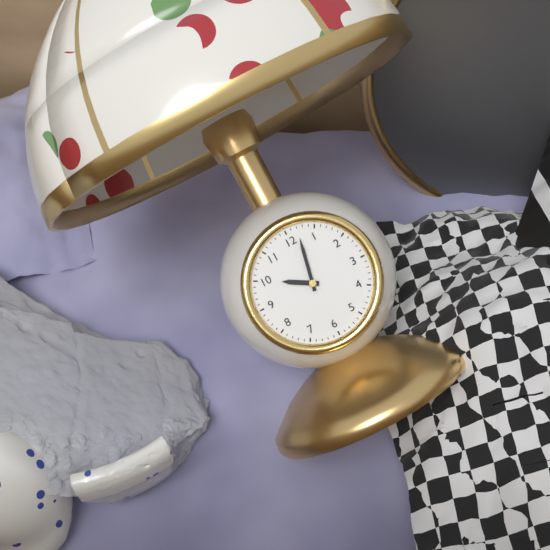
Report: h=10 m=2
